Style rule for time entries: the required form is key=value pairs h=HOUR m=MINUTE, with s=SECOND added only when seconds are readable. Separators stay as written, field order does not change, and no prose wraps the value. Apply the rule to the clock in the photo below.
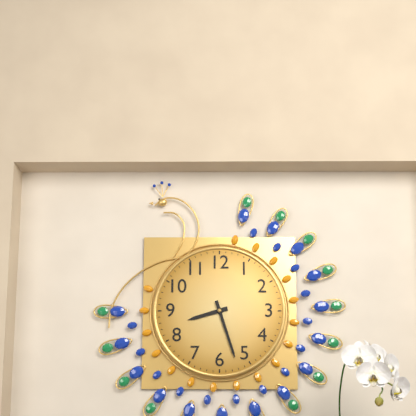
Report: h=8 m=27
